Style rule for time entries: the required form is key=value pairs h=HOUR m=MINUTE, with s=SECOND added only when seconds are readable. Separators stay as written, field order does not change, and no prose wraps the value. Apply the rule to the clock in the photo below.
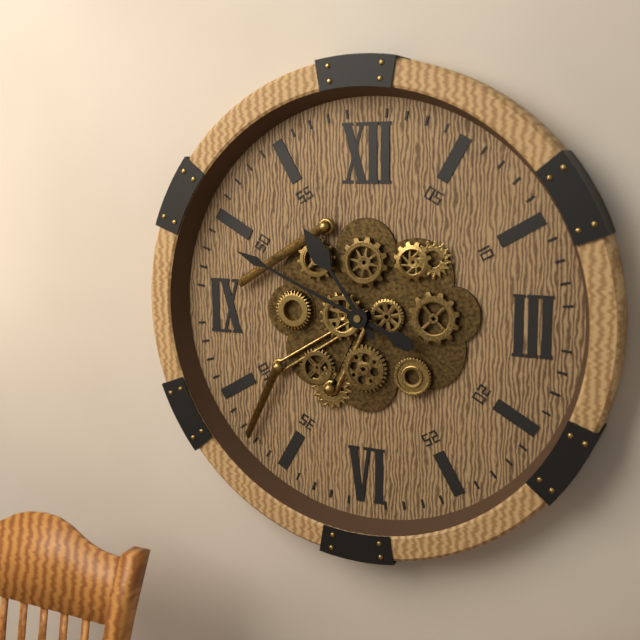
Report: h=10 m=49
